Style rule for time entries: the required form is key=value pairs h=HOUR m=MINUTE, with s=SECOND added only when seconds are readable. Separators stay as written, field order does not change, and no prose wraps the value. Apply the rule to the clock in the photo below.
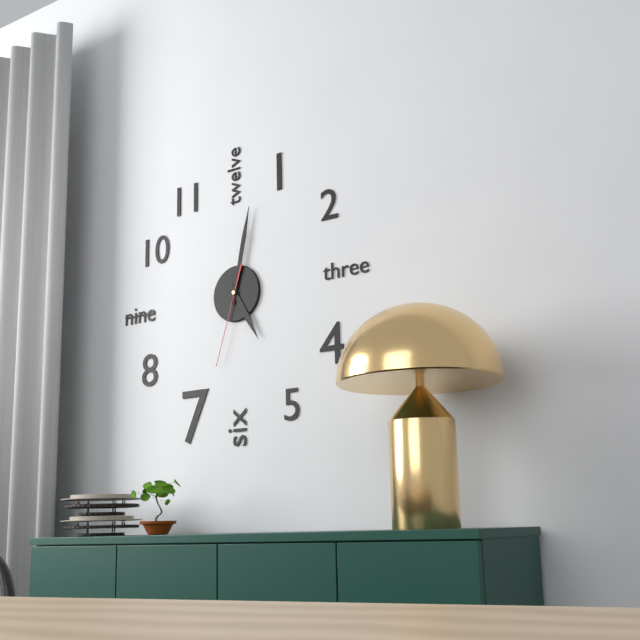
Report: h=5 m=2 s=33
